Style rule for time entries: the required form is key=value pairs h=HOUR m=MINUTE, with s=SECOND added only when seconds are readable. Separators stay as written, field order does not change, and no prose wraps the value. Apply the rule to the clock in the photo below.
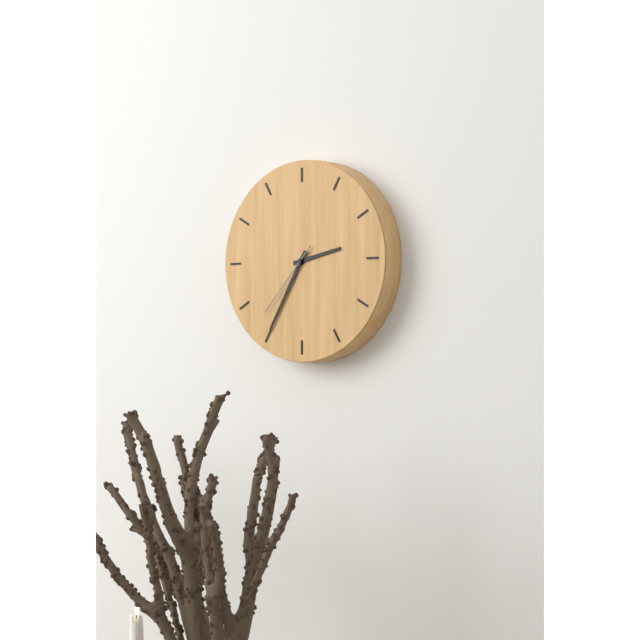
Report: h=2 m=35 s=37
